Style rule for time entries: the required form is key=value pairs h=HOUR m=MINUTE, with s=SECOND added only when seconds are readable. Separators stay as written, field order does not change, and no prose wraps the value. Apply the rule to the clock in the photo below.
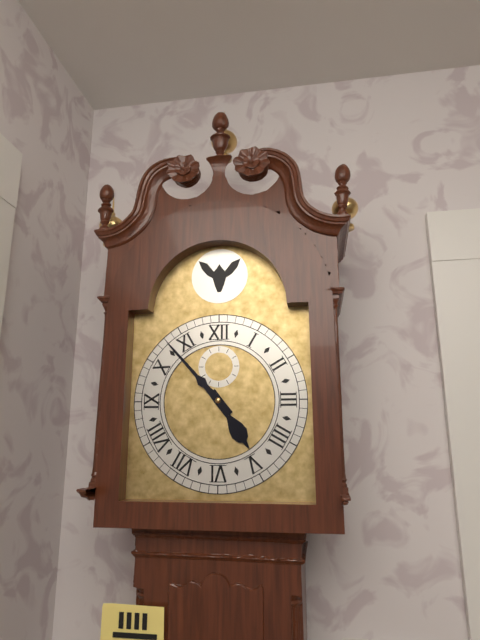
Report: h=4 m=53
